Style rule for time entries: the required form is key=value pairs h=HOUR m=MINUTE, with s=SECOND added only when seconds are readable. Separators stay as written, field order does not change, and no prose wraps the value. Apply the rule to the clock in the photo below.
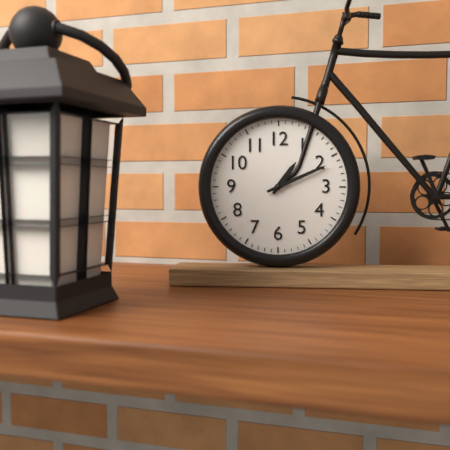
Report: h=1 m=11
